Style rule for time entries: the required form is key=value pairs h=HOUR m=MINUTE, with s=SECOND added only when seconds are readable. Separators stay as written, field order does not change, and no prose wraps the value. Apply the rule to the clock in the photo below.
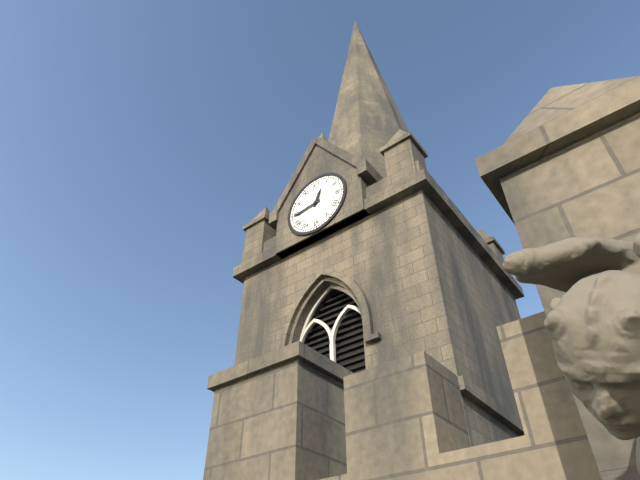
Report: h=12 m=44
